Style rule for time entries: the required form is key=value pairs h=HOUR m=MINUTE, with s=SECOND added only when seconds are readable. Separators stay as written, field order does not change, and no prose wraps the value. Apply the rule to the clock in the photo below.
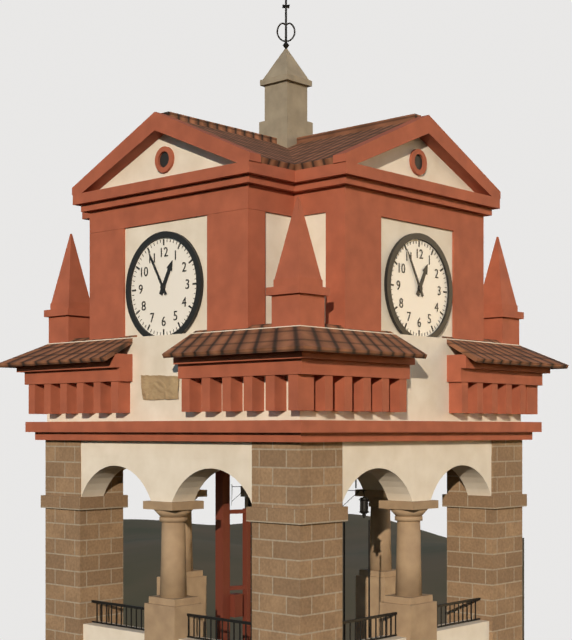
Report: h=12 m=55
